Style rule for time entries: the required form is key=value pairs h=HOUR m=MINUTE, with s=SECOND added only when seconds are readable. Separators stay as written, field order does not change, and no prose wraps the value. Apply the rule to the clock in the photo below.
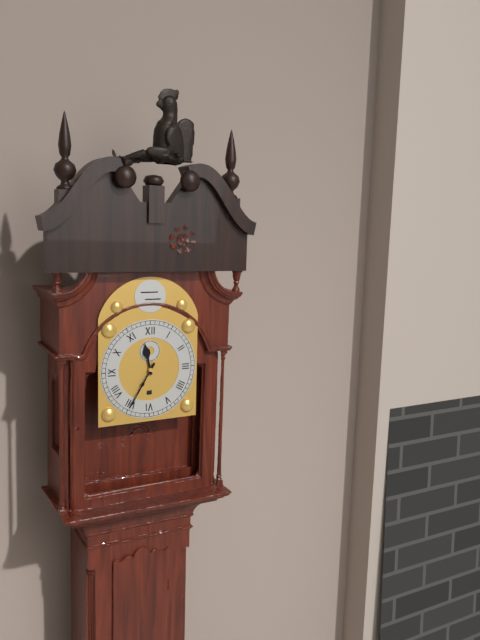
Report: h=11 m=35
